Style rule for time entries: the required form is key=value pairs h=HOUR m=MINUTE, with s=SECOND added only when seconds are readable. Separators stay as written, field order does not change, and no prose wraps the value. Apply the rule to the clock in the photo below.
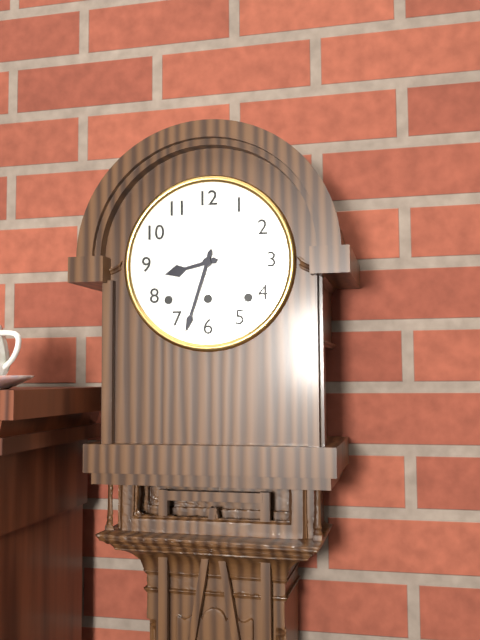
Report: h=8 m=33
